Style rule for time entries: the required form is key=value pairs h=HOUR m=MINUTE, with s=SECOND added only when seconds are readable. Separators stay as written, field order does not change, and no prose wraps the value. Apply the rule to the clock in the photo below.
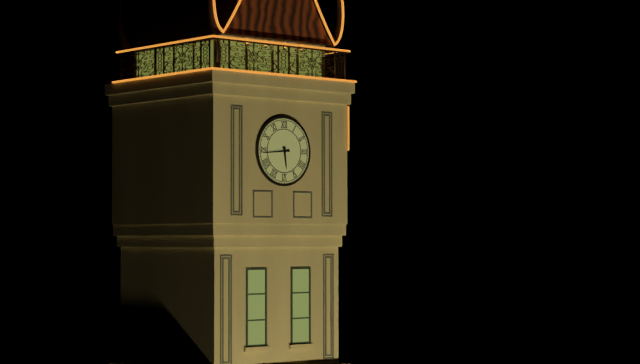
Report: h=5 m=44
